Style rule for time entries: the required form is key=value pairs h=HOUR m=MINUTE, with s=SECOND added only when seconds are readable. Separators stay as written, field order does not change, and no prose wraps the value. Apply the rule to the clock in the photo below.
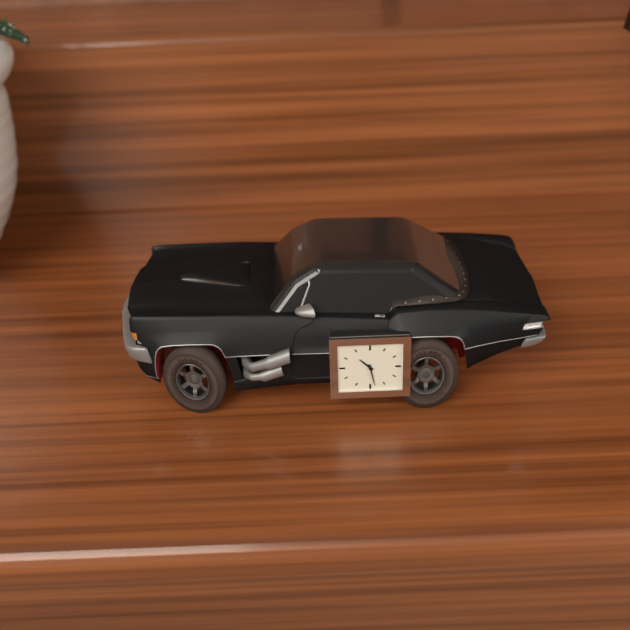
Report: h=10 m=28
